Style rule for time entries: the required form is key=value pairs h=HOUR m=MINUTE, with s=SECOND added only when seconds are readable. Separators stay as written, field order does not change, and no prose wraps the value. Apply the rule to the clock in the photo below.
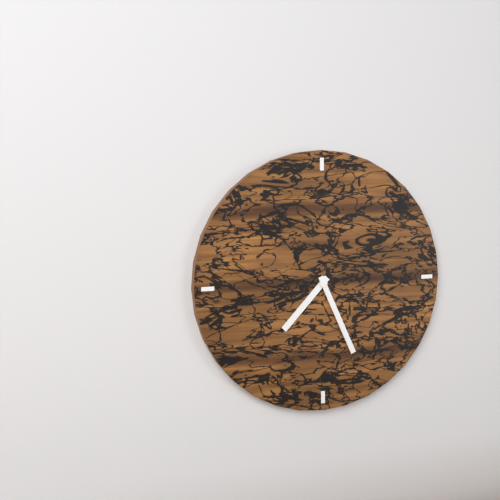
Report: h=7 m=26
